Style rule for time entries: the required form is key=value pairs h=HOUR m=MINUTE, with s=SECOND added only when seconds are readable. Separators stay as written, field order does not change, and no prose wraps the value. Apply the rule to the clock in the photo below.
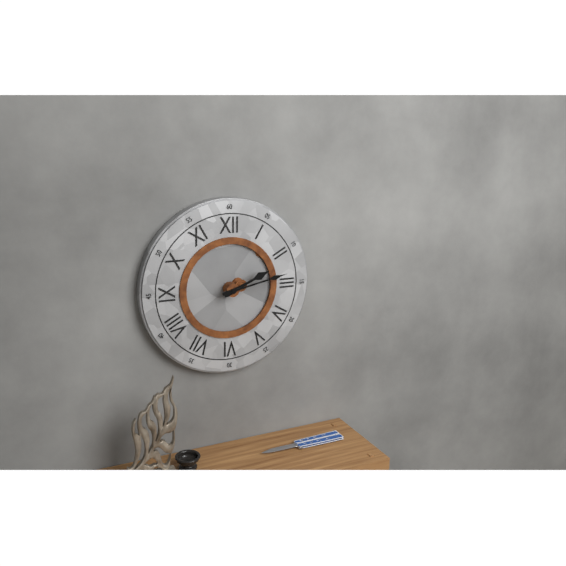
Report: h=2 m=13
